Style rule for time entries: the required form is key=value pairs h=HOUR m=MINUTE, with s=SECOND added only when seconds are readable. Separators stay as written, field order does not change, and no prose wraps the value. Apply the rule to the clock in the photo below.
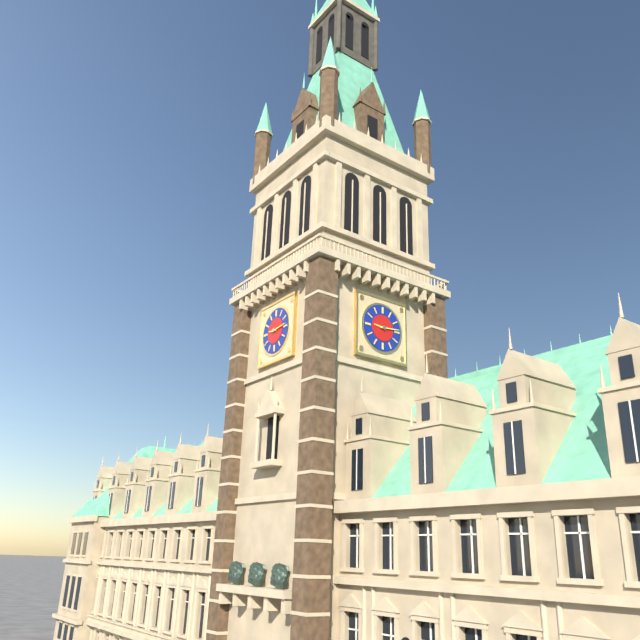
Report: h=9 m=14
